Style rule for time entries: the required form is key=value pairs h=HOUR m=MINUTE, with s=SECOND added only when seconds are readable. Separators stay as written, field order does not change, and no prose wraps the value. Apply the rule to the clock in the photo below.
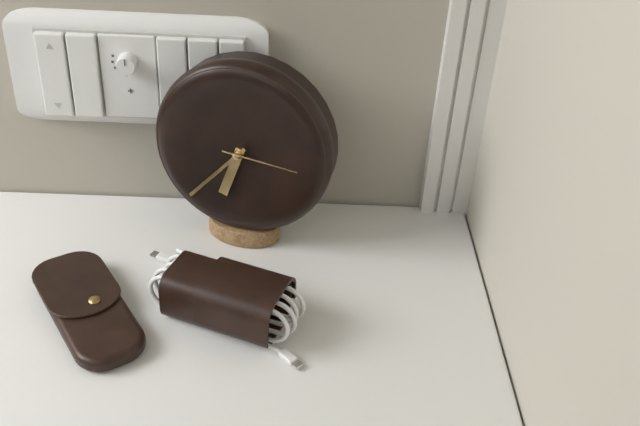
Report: h=6 m=37 s=16
